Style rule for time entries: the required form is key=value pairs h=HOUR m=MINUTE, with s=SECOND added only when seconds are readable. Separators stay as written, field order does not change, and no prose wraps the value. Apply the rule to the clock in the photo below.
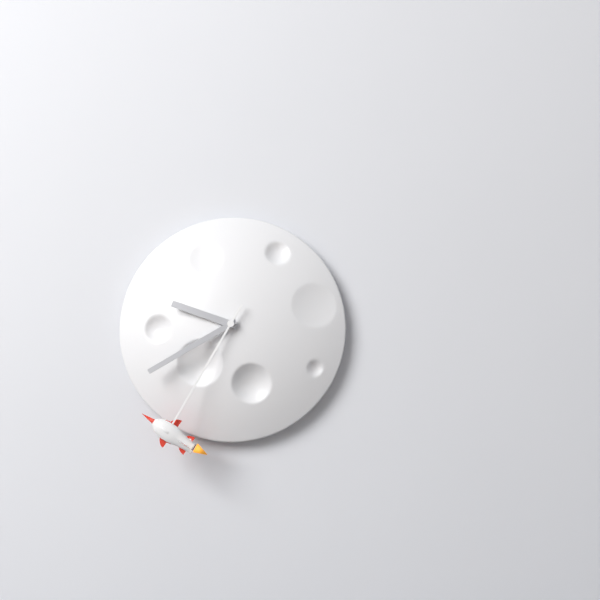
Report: h=9 m=40 s=35
